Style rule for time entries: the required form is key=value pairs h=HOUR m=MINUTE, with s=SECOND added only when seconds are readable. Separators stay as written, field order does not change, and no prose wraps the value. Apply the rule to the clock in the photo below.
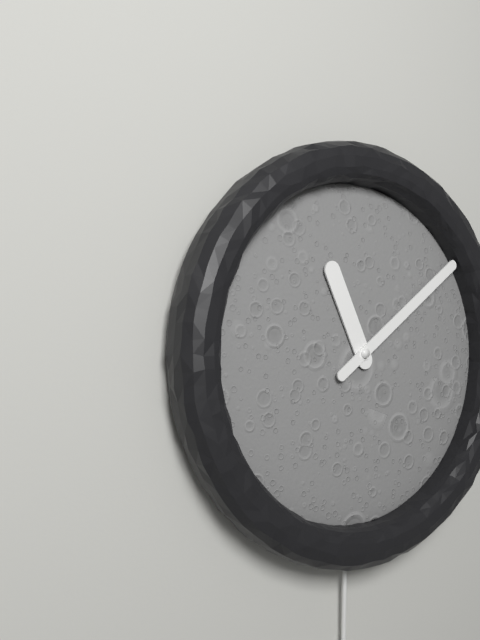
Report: h=11 m=9
